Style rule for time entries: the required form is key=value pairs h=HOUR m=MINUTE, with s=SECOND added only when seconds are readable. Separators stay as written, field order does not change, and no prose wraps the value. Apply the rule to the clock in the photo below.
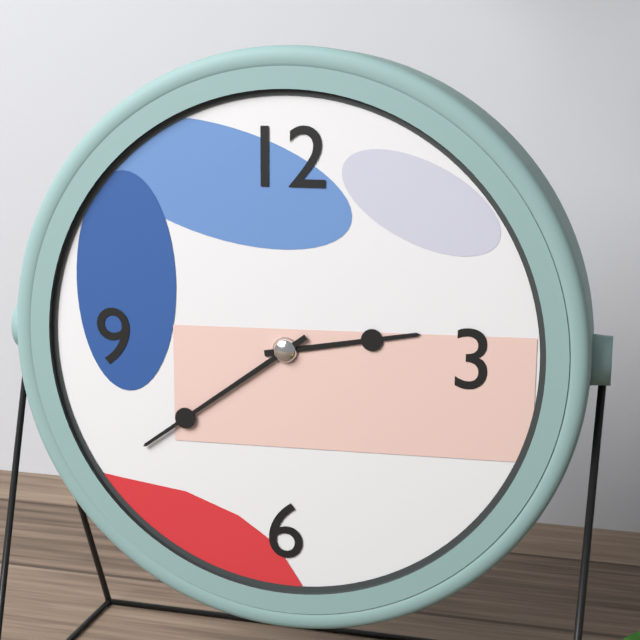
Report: h=2 m=39
